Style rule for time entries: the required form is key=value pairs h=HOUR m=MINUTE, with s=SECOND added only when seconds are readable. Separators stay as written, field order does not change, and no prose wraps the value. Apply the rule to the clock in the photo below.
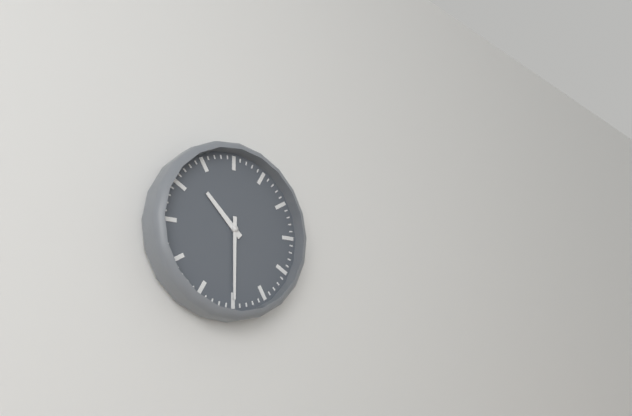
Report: h=10 m=30
